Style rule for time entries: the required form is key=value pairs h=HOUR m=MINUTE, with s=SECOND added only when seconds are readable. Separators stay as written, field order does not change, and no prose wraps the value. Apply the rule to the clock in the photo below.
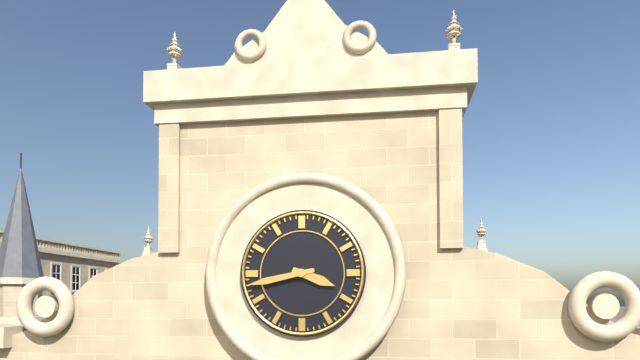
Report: h=3 m=43
